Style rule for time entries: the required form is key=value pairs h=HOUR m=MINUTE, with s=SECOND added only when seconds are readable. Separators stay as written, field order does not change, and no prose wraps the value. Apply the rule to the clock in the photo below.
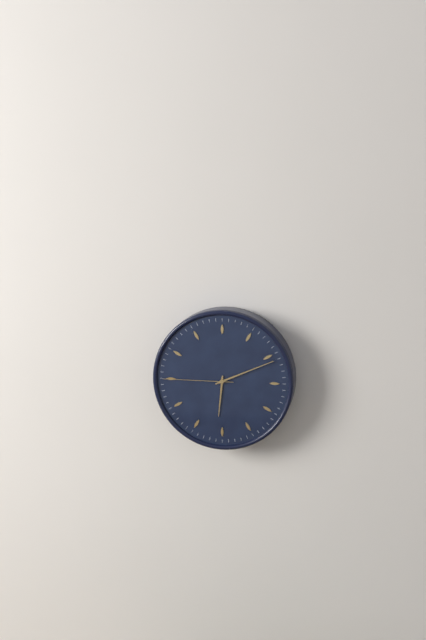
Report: h=6 m=11 s=45
